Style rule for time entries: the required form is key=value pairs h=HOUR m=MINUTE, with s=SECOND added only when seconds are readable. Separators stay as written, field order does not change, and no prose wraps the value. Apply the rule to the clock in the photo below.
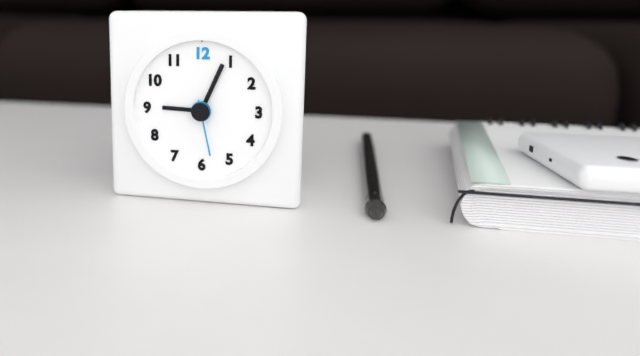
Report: h=9 m=4 s=28
